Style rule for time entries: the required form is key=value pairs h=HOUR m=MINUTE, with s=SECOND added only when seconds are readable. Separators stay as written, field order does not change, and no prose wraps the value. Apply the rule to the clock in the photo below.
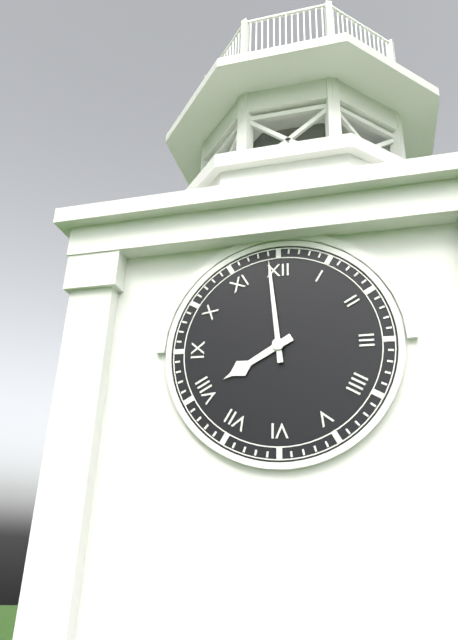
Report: h=7 m=59
